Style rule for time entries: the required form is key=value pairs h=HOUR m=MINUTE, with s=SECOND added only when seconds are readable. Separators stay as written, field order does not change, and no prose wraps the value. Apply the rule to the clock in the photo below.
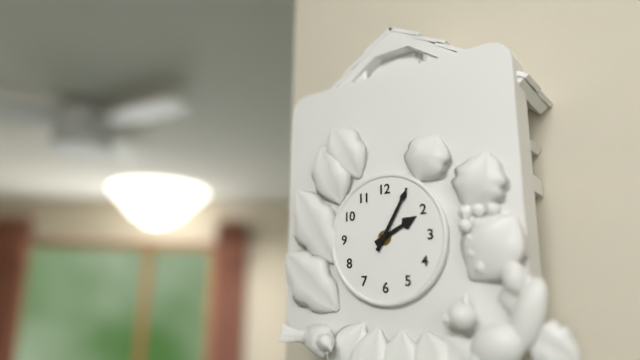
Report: h=2 m=5
